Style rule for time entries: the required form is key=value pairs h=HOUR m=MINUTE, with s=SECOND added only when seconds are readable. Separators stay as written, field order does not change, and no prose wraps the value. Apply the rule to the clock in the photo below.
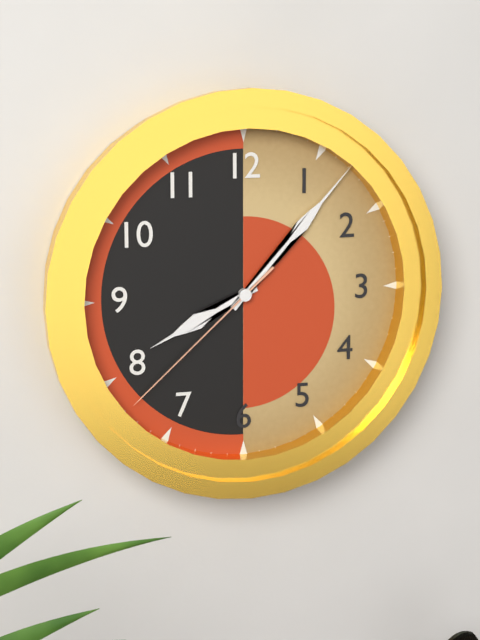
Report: h=8 m=7 s=38
